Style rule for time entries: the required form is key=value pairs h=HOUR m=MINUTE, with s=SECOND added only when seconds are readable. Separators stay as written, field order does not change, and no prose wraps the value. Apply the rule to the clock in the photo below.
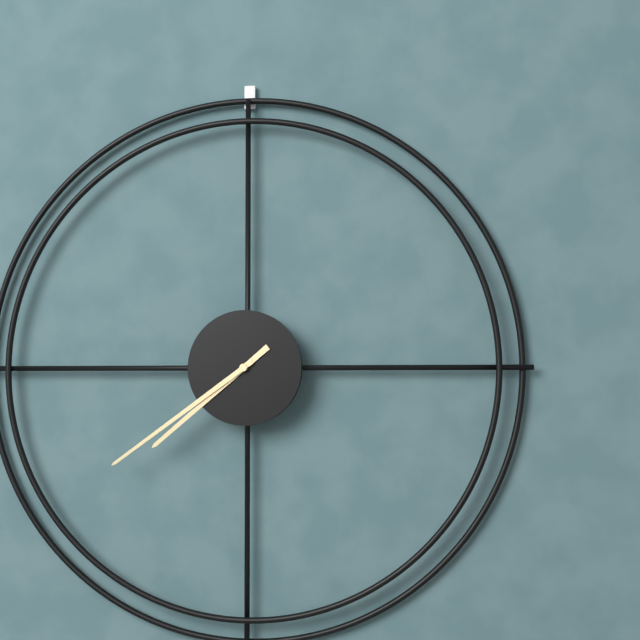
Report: h=7 m=39
